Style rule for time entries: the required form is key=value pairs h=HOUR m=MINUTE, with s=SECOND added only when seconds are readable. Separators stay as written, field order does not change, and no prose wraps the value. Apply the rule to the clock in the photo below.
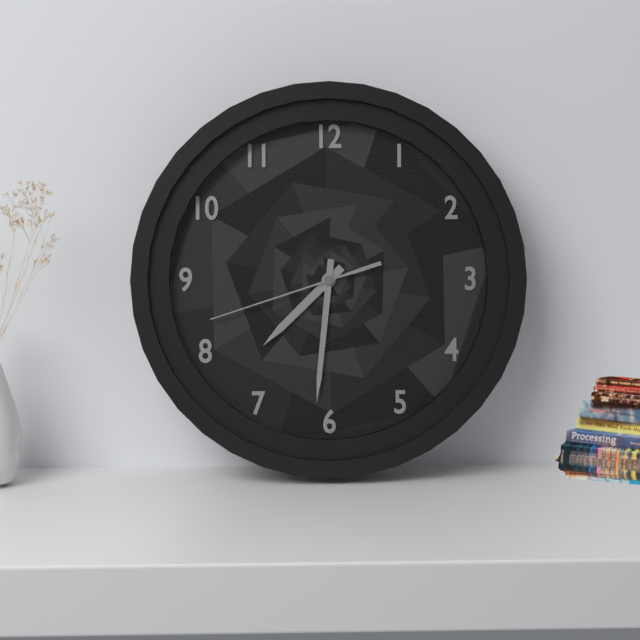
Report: h=7 m=31 s=42
